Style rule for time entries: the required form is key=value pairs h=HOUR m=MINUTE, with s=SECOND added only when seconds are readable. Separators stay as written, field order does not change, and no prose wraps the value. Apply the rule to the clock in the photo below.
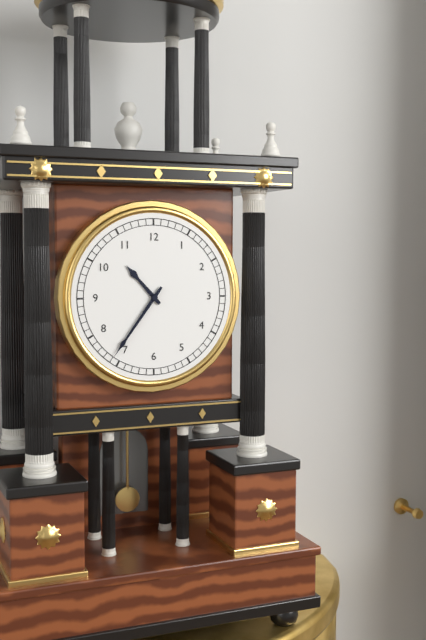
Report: h=10 m=36
